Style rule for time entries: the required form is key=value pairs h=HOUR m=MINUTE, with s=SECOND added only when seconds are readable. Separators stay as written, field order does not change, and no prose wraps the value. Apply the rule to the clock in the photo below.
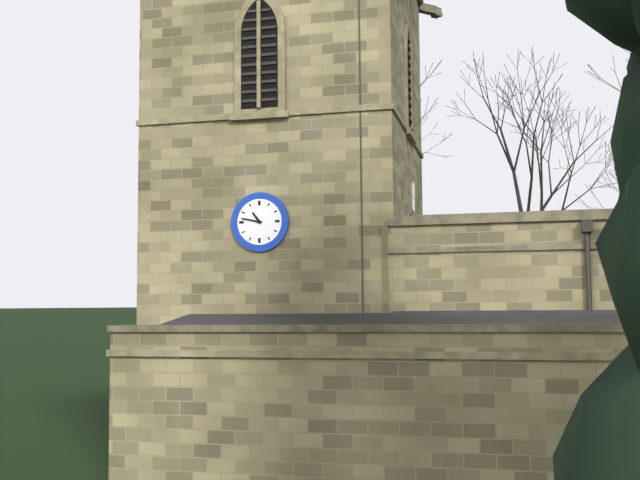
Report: h=10 m=47
